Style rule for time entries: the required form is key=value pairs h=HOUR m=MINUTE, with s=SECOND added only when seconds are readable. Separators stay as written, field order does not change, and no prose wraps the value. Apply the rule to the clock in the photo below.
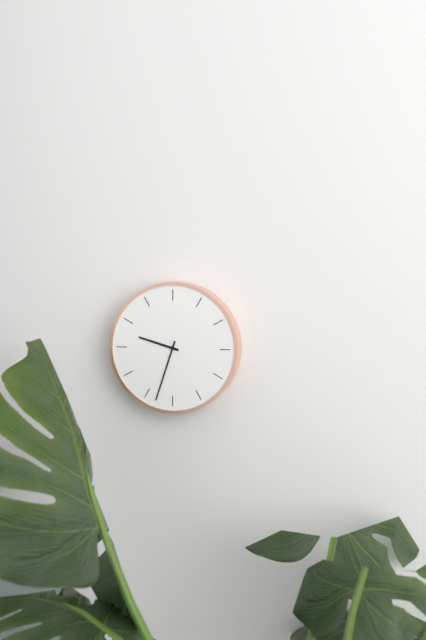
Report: h=9 m=33
